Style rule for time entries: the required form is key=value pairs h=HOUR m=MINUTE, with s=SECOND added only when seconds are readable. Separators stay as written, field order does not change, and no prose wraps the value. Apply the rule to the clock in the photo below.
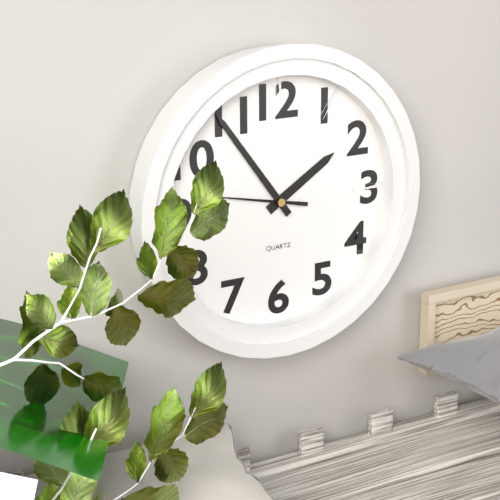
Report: h=1 m=54 s=47
